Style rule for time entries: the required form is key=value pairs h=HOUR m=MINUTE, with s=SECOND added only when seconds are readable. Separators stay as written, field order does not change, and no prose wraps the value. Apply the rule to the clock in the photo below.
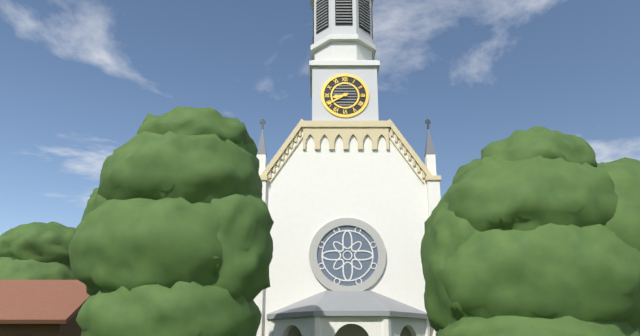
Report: h=8 m=40
